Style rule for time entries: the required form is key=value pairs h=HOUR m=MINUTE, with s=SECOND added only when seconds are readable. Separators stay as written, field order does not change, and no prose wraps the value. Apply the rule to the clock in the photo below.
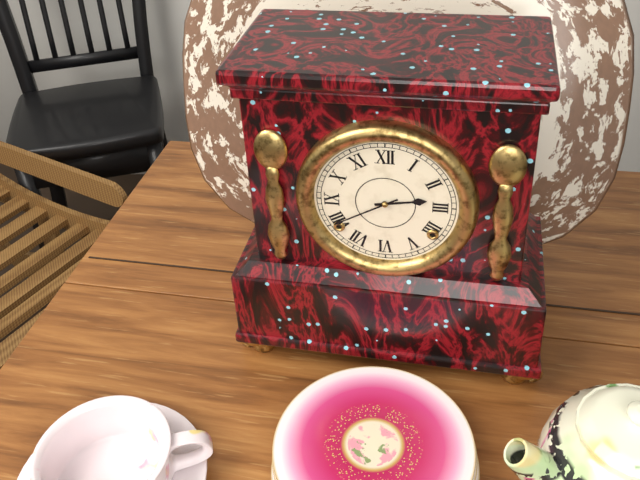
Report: h=2 m=40
